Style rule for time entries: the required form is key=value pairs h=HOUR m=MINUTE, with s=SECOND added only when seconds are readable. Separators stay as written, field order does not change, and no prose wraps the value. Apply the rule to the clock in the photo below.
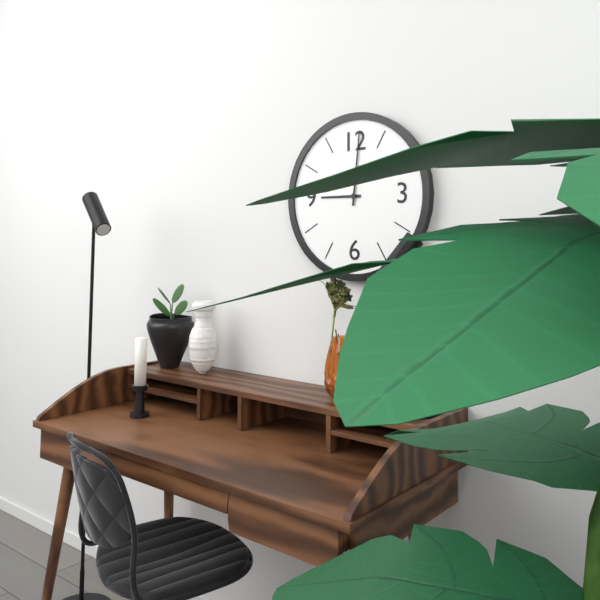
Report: h=9 m=1
